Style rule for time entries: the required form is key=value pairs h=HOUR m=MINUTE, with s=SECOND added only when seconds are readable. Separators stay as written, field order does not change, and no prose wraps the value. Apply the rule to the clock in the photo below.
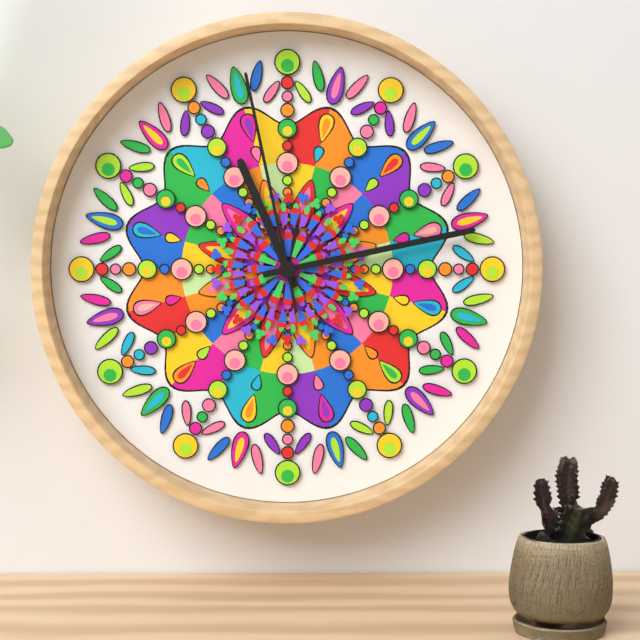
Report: h=11 m=13 s=58
